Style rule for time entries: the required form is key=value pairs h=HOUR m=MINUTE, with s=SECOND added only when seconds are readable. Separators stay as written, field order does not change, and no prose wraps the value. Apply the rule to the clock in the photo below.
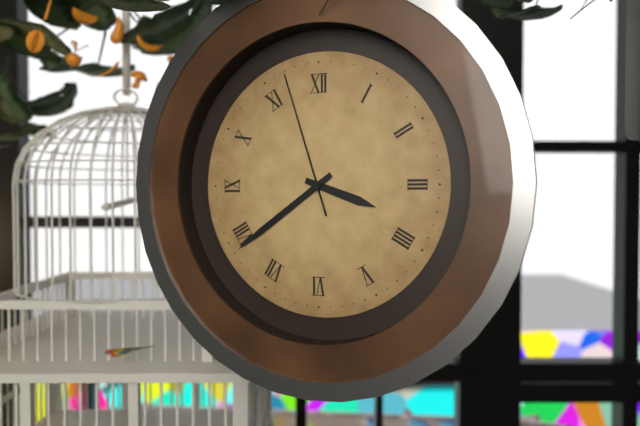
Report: h=3 m=39 s=57
